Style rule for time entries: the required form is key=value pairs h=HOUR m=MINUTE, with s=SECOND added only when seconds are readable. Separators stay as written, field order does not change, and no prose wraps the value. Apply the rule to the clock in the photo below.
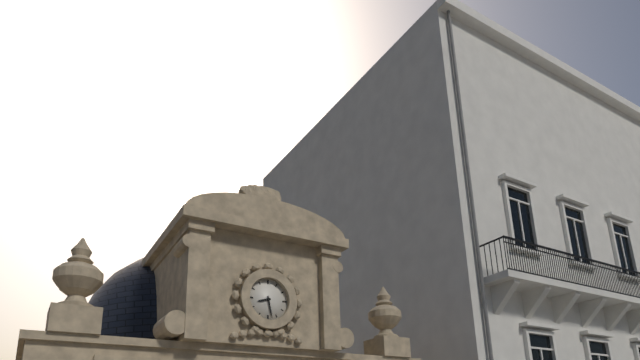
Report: h=8 m=28
